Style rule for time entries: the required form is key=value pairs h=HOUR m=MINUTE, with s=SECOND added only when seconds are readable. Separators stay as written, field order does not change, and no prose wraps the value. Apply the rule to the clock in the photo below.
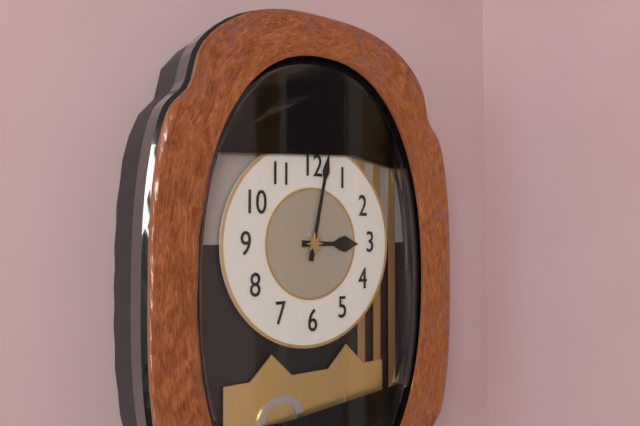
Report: h=3 m=2
